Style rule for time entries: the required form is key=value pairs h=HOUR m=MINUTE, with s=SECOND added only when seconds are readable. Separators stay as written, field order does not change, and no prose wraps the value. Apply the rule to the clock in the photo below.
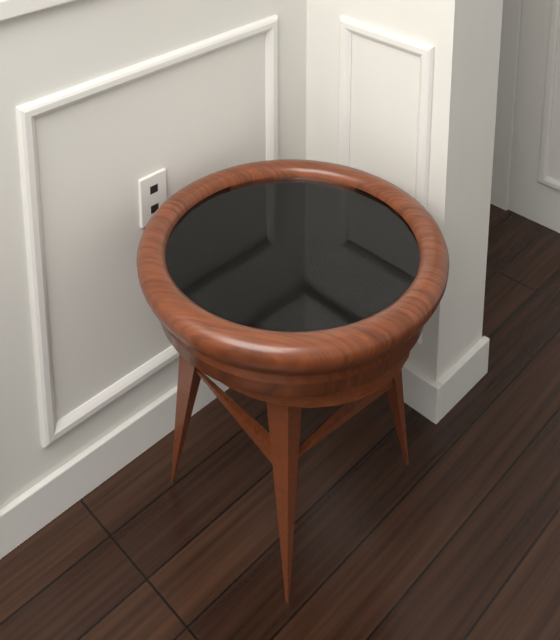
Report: h=2 m=46
